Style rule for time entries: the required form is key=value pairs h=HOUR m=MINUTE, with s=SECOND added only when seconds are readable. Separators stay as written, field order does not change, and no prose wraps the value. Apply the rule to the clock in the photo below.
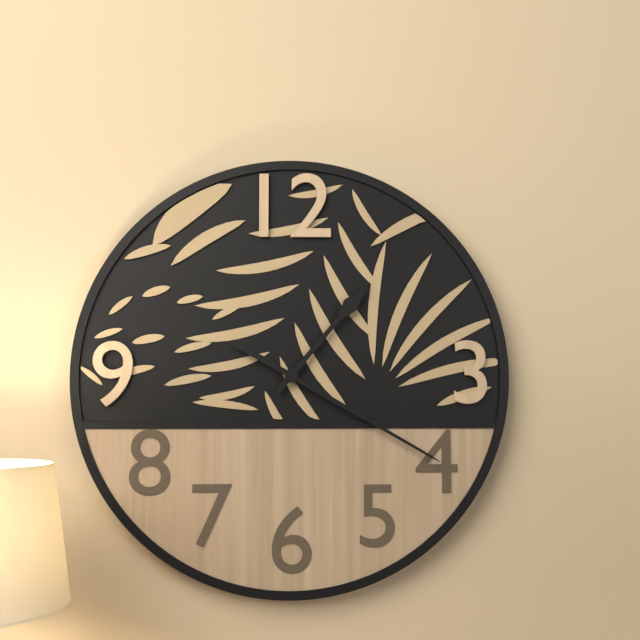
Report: h=1 m=20
